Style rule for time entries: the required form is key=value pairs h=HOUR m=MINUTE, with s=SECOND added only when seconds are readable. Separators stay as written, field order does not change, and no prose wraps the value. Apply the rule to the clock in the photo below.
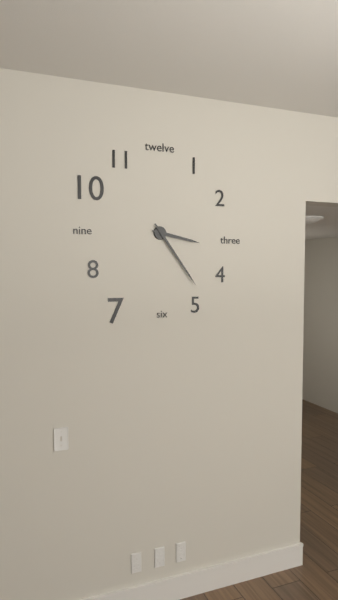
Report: h=3 m=24
